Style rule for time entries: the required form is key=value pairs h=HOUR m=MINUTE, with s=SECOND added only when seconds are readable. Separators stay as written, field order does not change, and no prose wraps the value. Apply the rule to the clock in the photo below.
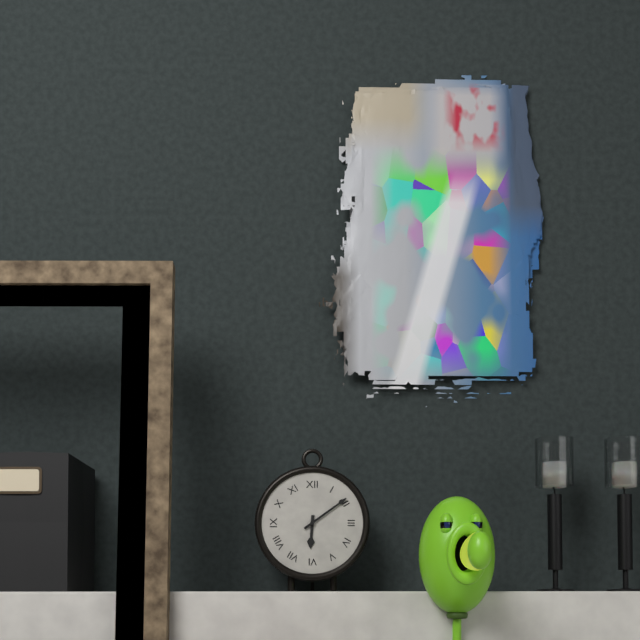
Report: h=6 m=9
